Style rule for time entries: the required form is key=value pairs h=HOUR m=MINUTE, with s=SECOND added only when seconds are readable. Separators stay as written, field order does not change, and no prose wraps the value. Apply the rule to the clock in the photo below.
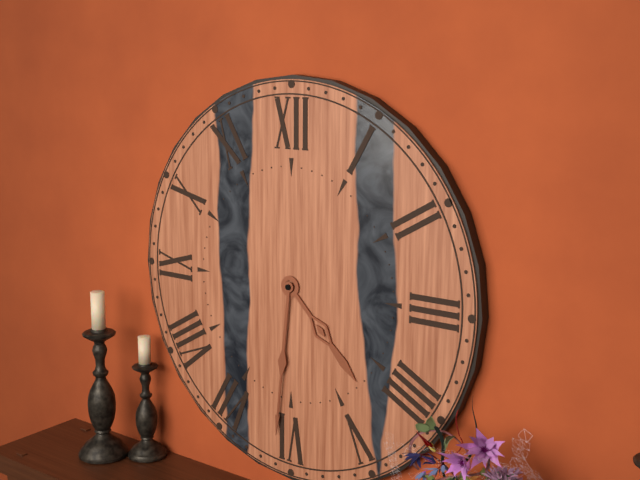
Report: h=4 m=31
